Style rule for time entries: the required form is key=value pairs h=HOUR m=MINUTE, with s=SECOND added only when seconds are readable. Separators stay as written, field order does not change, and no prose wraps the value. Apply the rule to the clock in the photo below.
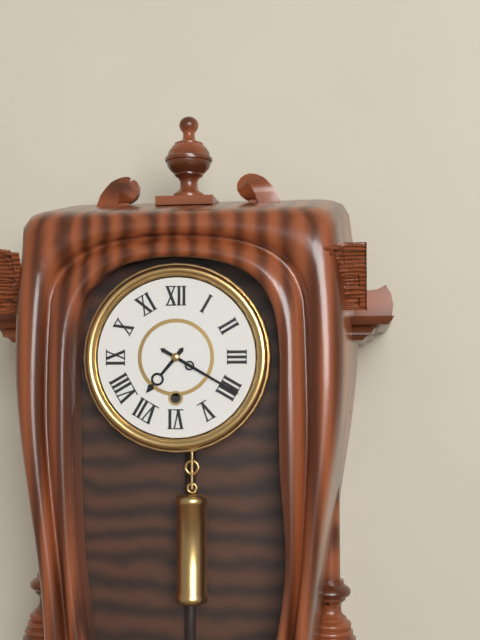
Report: h=7 m=20
